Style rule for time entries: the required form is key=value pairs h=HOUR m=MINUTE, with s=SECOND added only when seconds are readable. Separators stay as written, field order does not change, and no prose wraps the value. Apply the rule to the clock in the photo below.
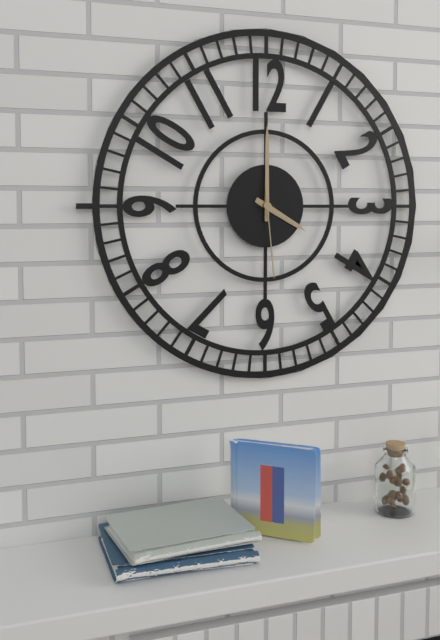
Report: h=4 m=0 s=29
